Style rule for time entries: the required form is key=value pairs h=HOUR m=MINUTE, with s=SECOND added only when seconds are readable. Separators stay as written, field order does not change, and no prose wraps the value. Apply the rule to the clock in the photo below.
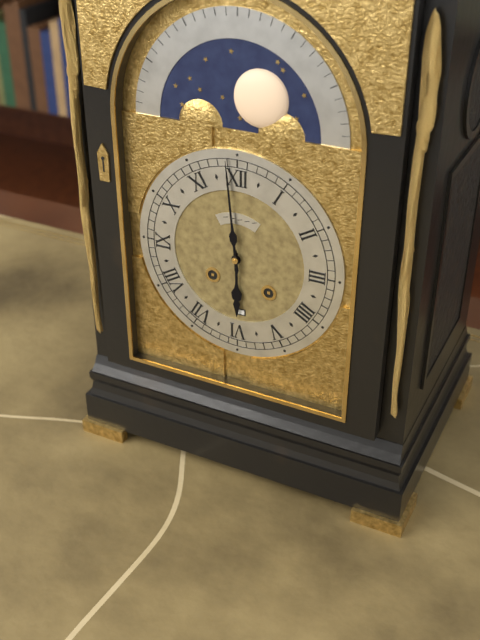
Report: h=5 m=59
